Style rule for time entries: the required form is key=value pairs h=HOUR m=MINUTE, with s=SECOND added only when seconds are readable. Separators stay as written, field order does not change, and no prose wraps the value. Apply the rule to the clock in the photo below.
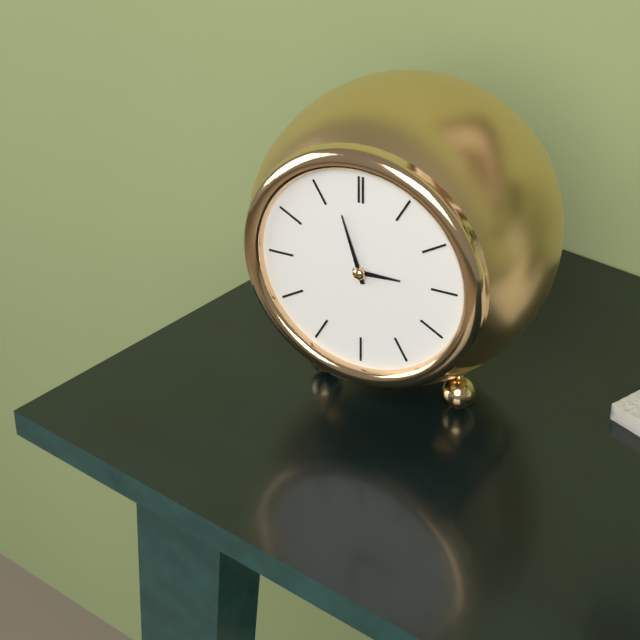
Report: h=2 m=57
